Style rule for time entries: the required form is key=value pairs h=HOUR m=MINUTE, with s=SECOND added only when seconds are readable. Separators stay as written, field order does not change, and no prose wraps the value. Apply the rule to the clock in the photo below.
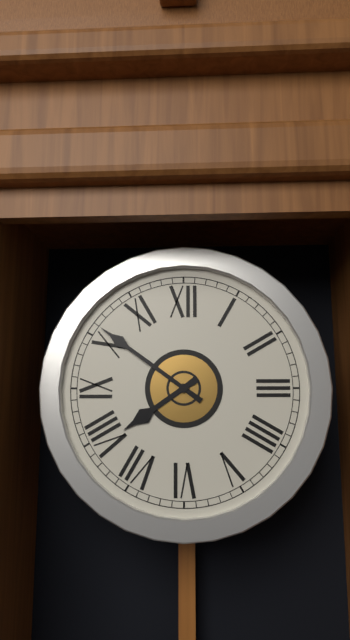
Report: h=7 m=51
